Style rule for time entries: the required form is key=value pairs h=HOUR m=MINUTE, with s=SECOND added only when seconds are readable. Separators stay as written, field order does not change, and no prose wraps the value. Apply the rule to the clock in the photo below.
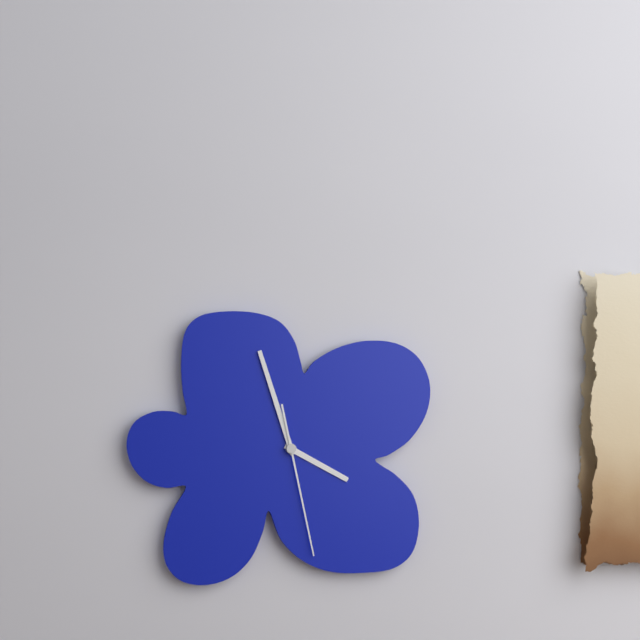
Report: h=3 m=57 s=28
